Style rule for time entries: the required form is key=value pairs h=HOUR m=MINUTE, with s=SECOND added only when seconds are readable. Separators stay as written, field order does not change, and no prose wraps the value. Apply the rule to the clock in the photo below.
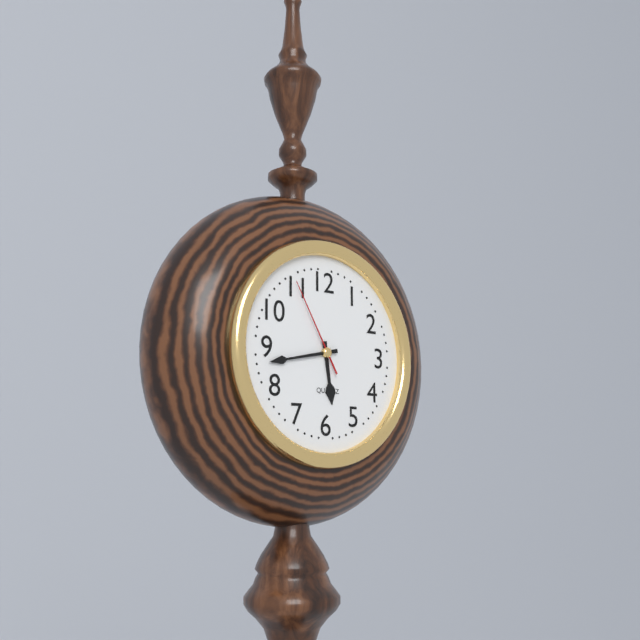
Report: h=5 m=43 s=55
